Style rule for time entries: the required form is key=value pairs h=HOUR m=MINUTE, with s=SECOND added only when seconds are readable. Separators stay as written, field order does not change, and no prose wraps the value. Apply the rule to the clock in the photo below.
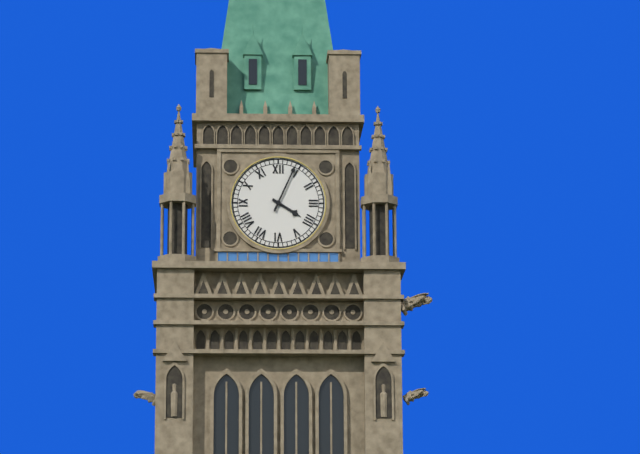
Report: h=4 m=4
